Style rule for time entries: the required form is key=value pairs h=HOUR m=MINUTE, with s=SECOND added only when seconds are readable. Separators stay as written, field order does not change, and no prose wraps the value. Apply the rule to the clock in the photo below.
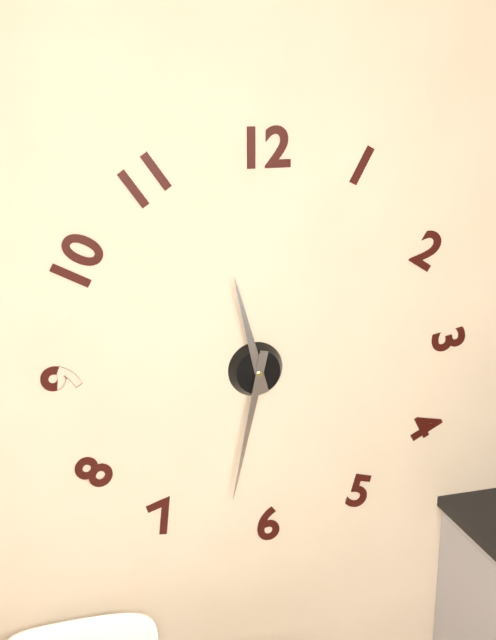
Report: h=11 m=32
